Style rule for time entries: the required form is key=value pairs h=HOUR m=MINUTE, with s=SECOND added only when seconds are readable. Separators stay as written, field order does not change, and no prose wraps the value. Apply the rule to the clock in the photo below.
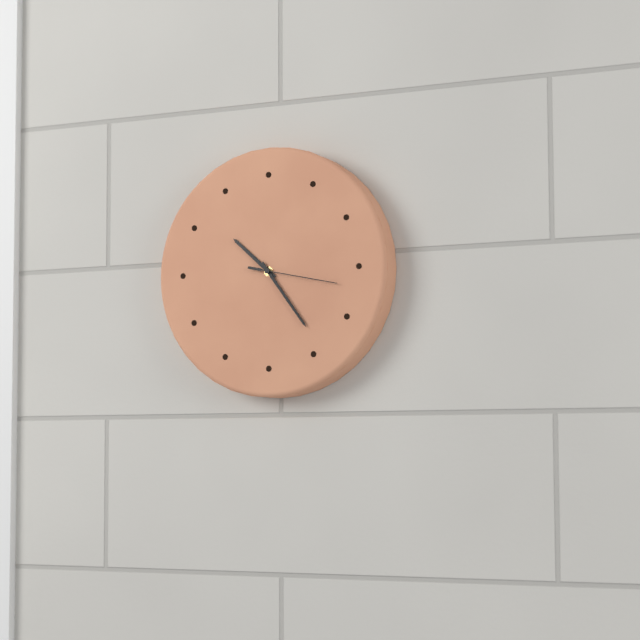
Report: h=10 m=24 s=17
